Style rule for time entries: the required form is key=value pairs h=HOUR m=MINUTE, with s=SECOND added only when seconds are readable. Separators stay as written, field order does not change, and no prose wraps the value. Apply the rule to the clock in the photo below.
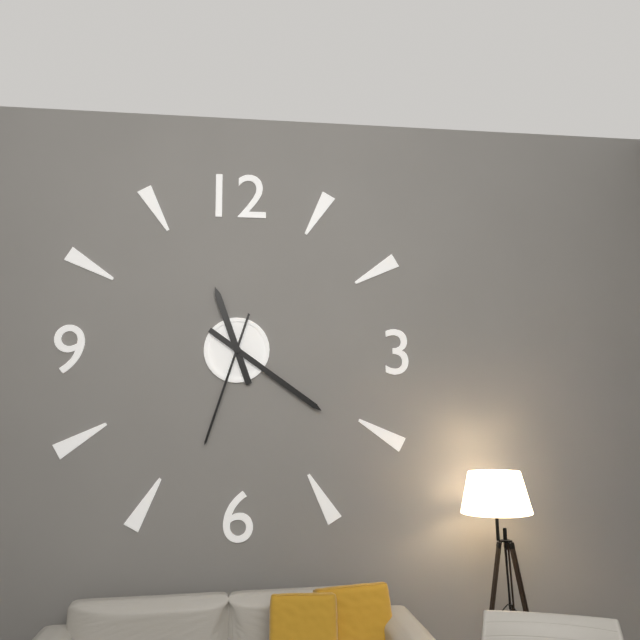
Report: h=11 m=21 s=33
